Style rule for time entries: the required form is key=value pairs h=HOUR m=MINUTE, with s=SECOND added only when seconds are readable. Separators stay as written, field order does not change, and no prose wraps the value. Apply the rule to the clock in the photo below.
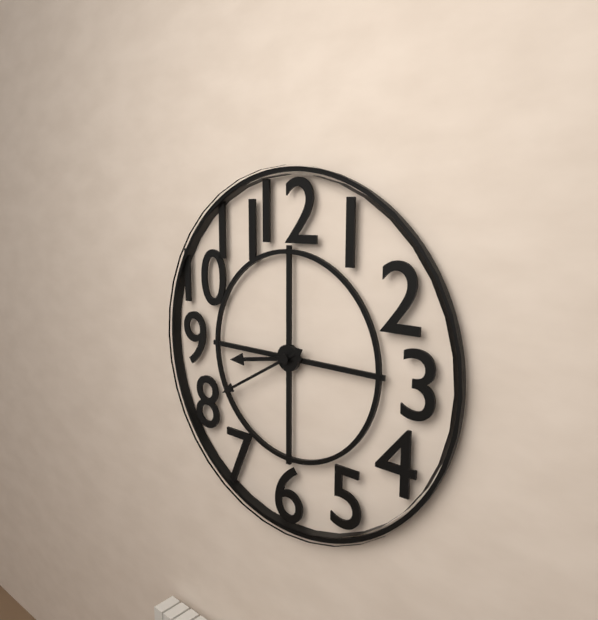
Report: h=8 m=40
